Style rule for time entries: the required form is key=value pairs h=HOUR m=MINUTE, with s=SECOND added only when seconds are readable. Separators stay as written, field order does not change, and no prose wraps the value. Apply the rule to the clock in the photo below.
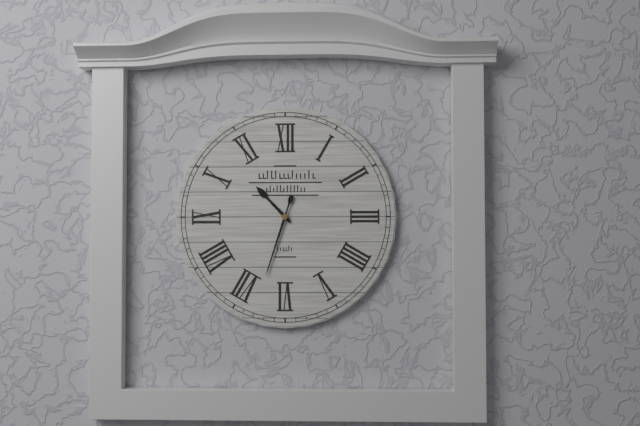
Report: h=10 m=33
